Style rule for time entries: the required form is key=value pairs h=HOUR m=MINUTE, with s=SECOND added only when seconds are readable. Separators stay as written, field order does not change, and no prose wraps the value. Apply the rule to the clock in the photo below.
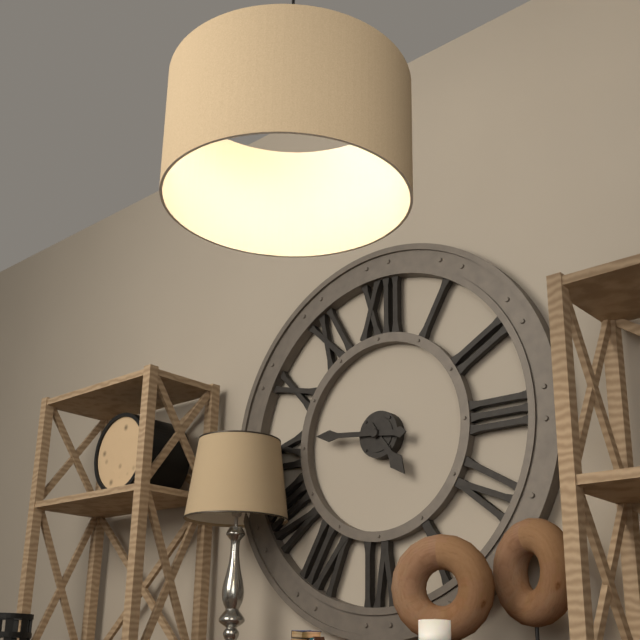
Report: h=4 m=46
